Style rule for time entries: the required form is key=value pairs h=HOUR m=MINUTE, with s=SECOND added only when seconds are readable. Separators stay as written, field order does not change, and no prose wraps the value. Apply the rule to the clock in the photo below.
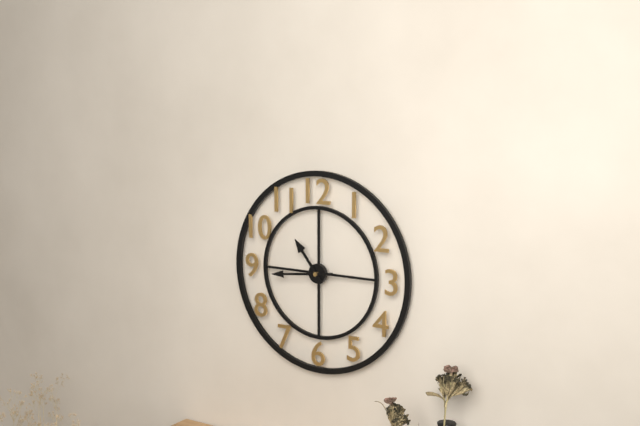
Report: h=10 m=44
